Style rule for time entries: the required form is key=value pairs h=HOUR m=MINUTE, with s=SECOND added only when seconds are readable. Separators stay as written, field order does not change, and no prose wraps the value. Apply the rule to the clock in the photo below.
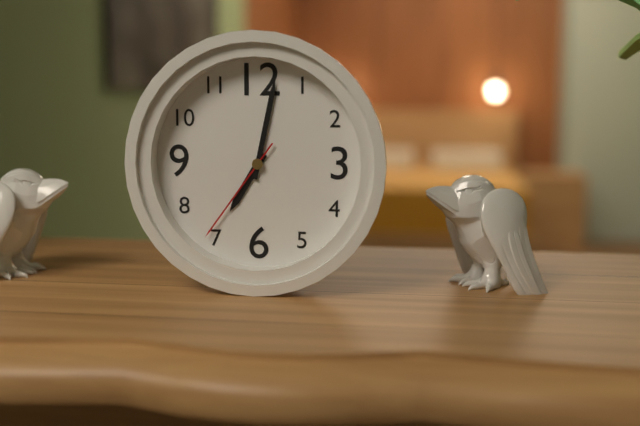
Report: h=7 m=2 s=36
